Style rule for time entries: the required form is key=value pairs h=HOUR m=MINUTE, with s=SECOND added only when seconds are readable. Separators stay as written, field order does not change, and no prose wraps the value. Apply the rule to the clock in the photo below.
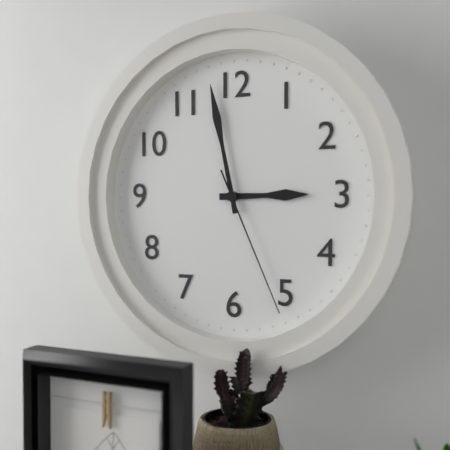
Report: h=2 m=58 s=26
